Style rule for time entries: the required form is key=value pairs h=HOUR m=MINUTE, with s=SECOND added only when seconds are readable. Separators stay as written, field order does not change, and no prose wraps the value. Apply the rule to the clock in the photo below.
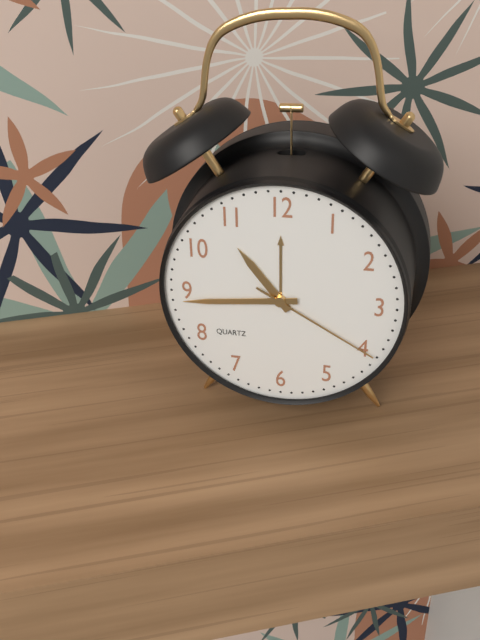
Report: h=10 m=44 s=20
